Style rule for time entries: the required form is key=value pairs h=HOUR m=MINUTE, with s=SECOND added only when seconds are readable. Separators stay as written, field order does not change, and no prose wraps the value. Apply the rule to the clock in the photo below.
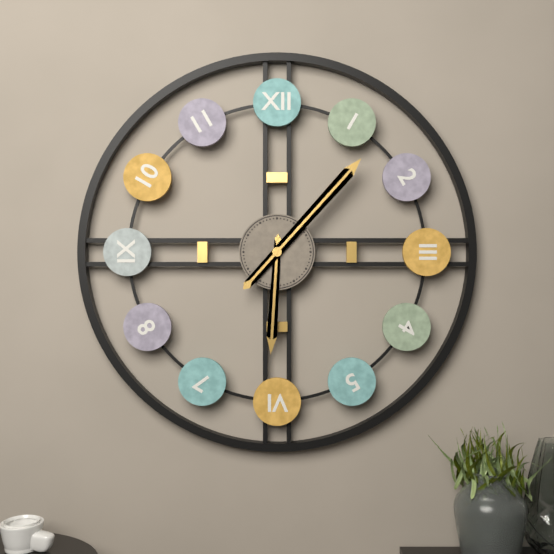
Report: h=6 m=7
